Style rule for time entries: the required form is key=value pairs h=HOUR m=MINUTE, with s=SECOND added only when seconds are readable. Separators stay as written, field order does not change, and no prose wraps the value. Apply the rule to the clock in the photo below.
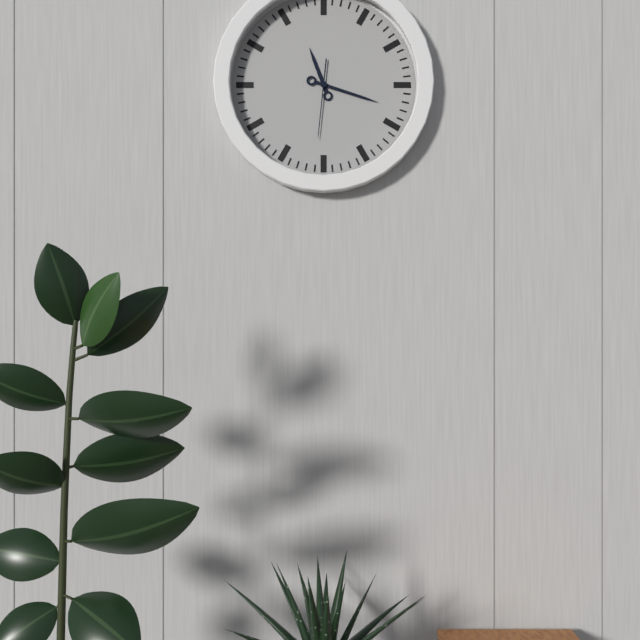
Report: h=11 m=18 s=31
